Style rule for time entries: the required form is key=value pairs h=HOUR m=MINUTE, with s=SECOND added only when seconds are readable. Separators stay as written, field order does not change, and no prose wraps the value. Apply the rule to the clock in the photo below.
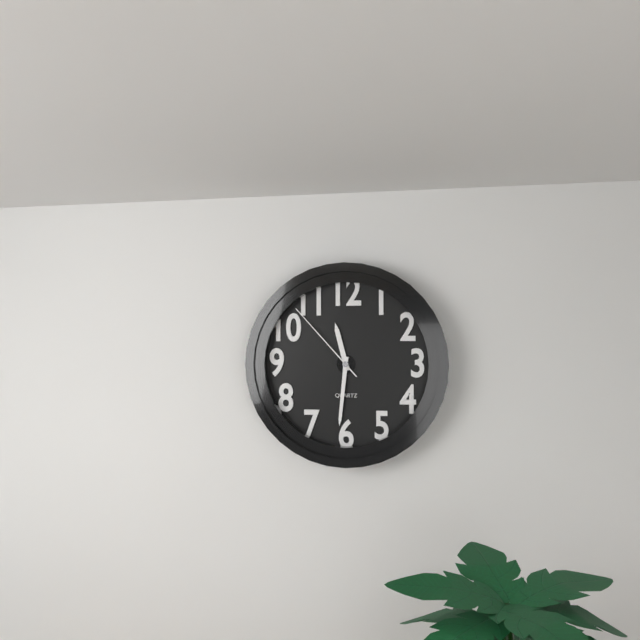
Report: h=11 m=31 s=53
